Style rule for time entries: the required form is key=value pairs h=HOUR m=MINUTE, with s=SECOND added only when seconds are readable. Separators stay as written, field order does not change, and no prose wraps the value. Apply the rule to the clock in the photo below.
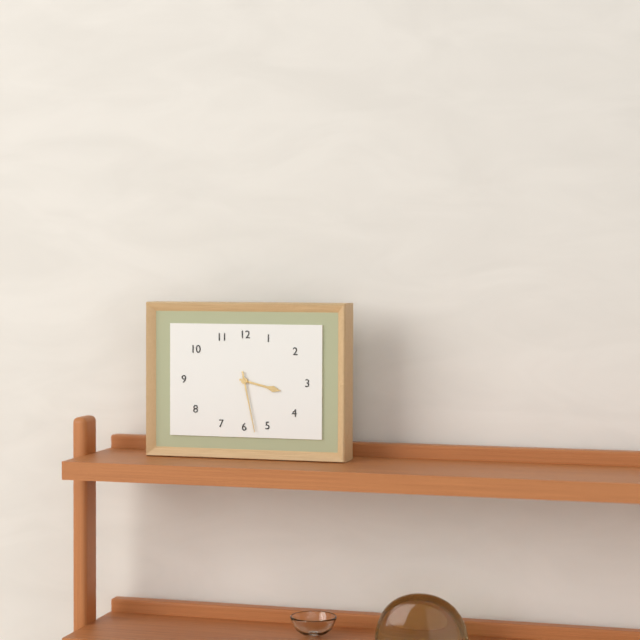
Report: h=3 m=28
